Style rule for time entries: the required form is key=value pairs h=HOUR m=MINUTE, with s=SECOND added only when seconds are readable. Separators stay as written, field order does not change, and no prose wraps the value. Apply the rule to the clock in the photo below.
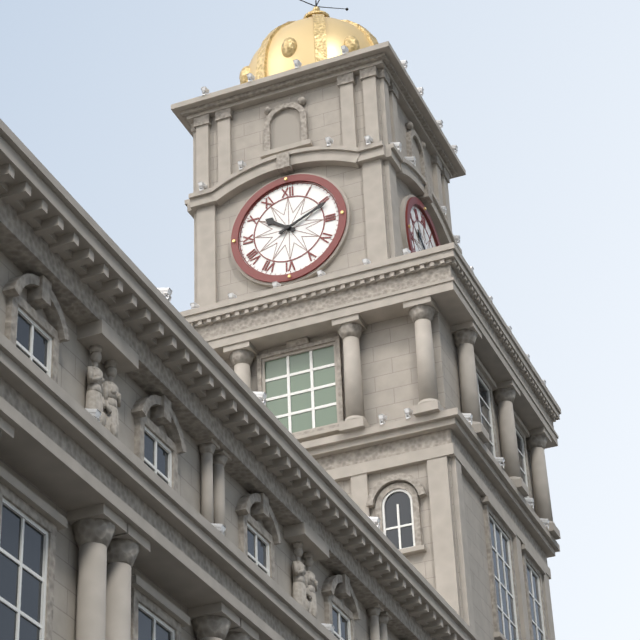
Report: h=10 m=11
